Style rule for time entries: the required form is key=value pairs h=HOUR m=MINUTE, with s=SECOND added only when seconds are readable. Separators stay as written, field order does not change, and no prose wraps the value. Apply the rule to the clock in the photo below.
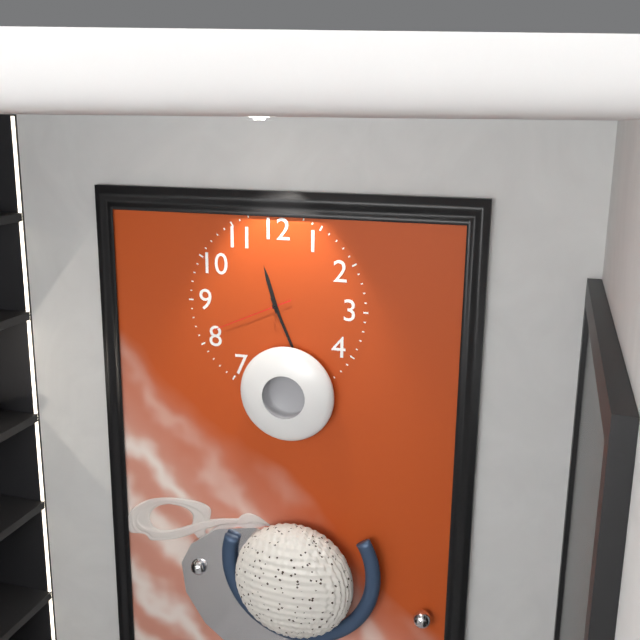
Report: h=11 m=26 s=41
